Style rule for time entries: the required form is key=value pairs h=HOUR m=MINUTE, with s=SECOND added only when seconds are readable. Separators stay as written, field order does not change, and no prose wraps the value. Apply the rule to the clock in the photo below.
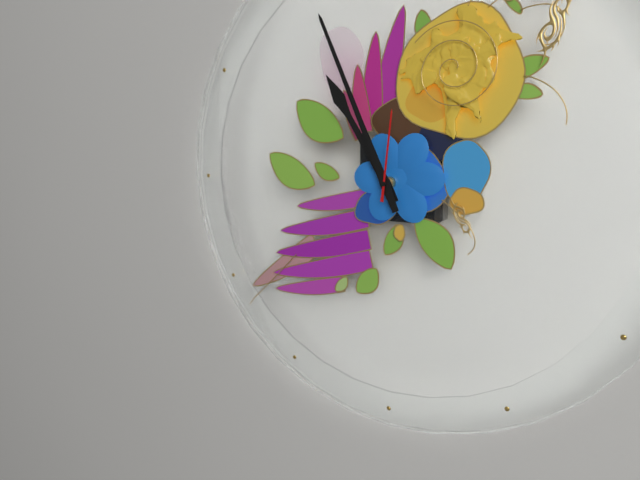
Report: h=10 m=56 s=1
